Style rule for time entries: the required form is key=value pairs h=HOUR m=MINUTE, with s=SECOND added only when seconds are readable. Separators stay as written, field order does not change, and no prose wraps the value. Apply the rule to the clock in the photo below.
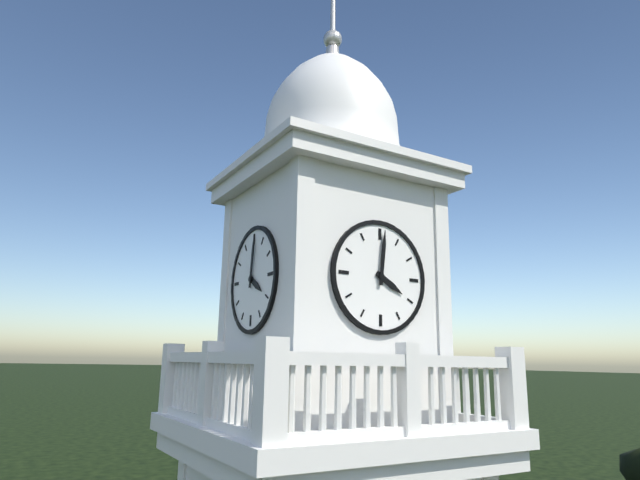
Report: h=4 m=1
